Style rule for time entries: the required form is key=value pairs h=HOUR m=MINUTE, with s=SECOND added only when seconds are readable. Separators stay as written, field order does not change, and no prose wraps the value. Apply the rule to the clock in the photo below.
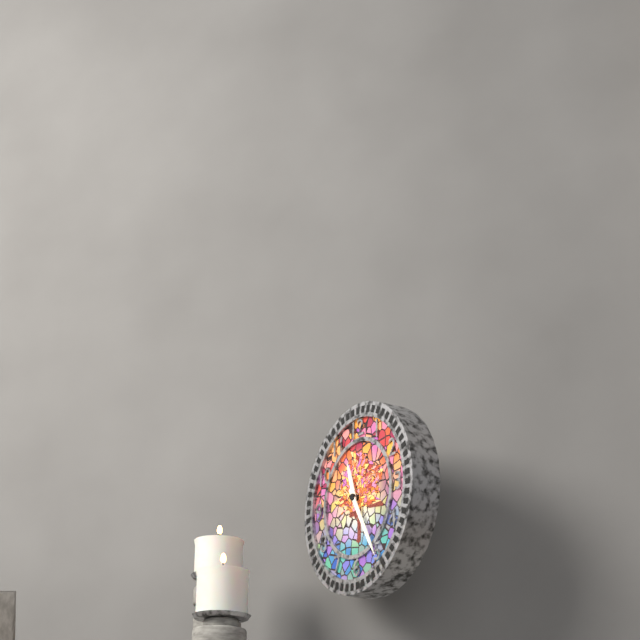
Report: h=11 m=25
